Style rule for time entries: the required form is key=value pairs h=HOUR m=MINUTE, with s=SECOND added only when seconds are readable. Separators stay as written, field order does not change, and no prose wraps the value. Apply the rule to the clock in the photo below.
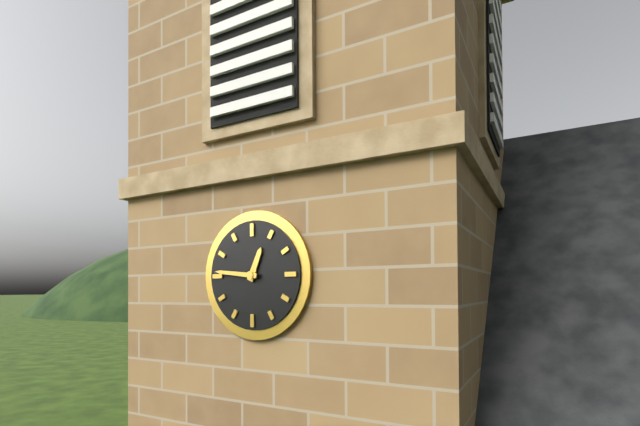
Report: h=12 m=46
